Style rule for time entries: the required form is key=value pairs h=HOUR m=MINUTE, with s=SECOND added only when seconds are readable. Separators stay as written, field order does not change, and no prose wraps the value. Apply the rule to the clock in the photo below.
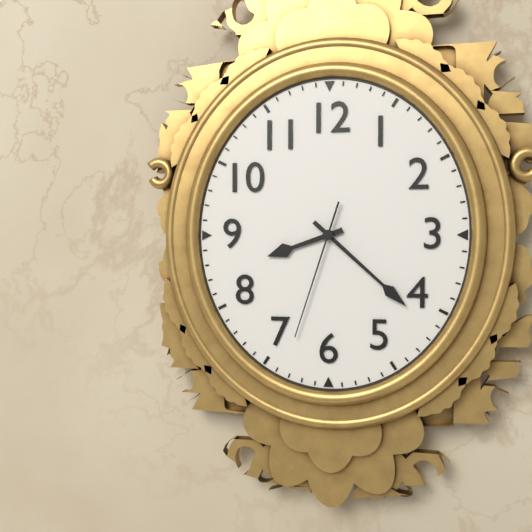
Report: h=8 m=22 s=33
